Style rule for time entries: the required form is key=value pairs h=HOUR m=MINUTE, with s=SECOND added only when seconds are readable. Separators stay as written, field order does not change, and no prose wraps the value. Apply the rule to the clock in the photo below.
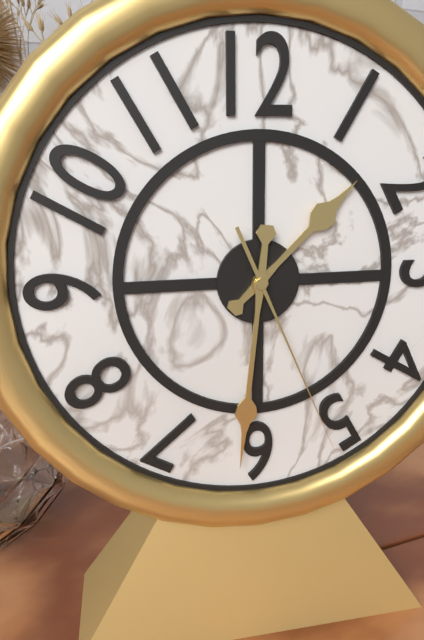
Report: h=1 m=31 s=26
